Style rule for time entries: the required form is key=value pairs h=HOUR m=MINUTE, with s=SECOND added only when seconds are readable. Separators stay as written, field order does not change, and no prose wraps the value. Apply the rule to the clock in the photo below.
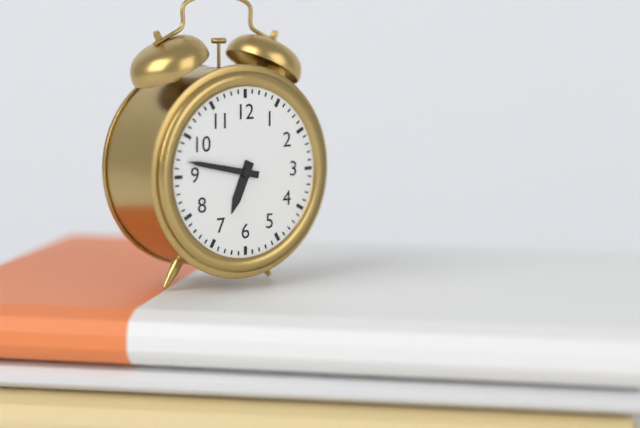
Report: h=6 m=47
